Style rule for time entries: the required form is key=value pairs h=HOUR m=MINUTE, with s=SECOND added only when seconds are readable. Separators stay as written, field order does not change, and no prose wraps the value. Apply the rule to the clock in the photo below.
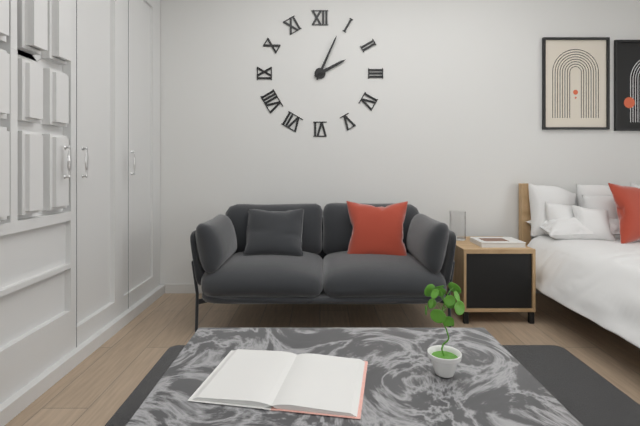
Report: h=2 m=4
